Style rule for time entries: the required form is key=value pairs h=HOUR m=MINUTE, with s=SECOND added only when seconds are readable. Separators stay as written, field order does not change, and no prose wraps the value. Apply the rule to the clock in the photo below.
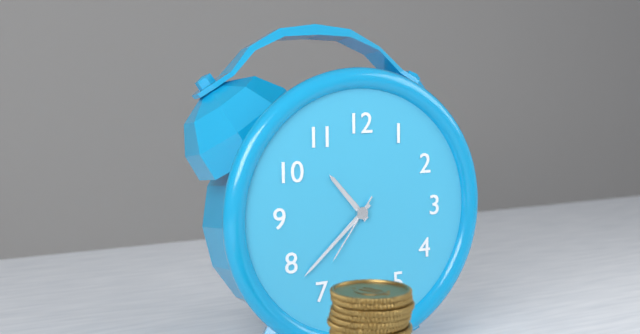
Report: h=10 m=38 s=36
